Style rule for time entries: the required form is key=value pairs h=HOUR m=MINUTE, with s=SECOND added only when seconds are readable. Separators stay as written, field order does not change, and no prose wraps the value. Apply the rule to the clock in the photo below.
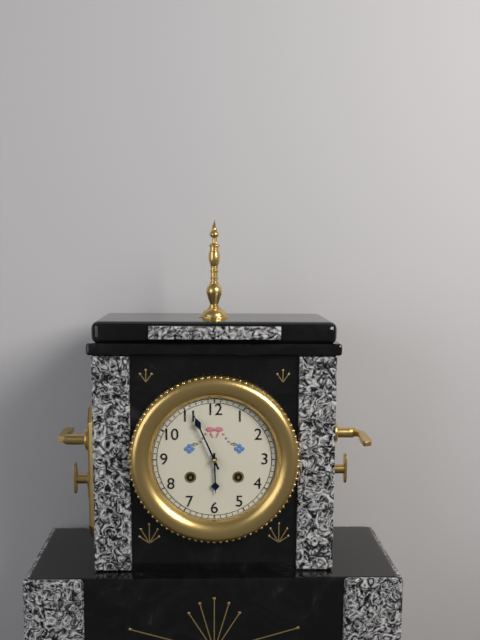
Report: h=5 m=56
